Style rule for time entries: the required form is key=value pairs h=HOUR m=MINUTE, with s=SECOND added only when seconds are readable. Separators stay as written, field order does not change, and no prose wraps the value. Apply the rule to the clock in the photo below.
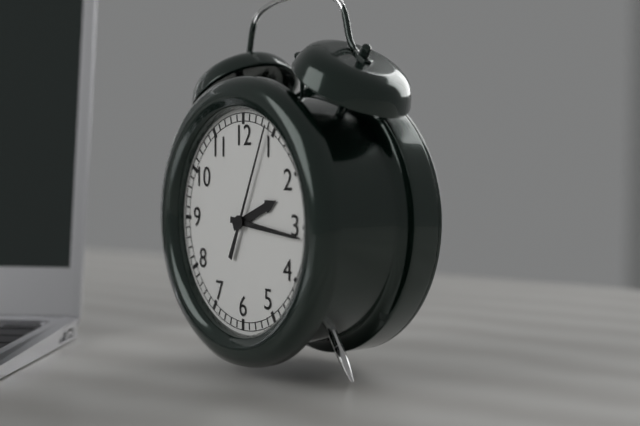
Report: h=2 m=16 s=4
